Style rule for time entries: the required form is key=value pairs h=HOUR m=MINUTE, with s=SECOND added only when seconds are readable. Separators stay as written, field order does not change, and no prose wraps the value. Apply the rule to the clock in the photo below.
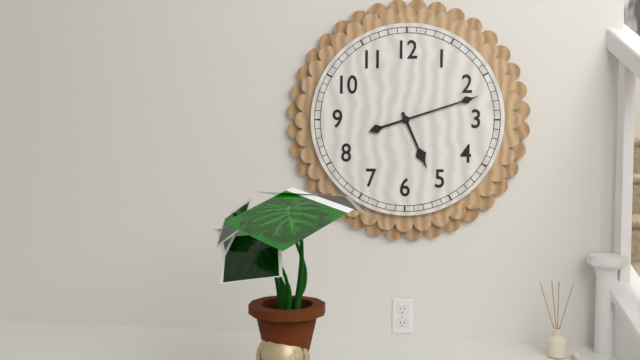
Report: h=5 m=12
